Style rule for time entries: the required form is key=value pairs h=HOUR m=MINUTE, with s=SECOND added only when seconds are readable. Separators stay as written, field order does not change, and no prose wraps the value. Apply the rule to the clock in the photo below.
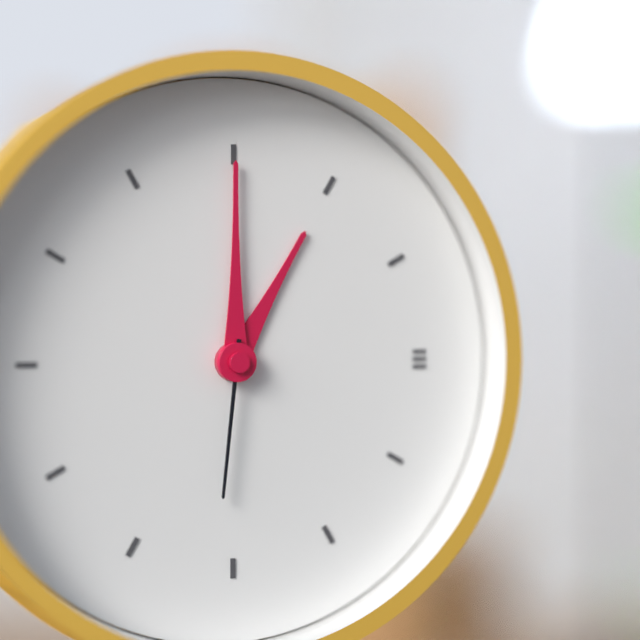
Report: h=1 m=0 s=31
